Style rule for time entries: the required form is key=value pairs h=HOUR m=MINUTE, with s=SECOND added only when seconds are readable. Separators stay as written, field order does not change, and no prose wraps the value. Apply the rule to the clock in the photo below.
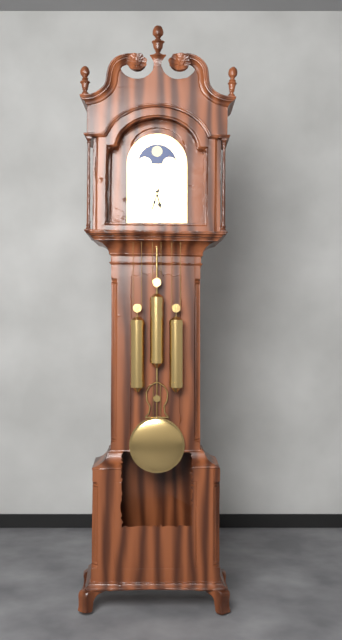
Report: h=5 m=33
